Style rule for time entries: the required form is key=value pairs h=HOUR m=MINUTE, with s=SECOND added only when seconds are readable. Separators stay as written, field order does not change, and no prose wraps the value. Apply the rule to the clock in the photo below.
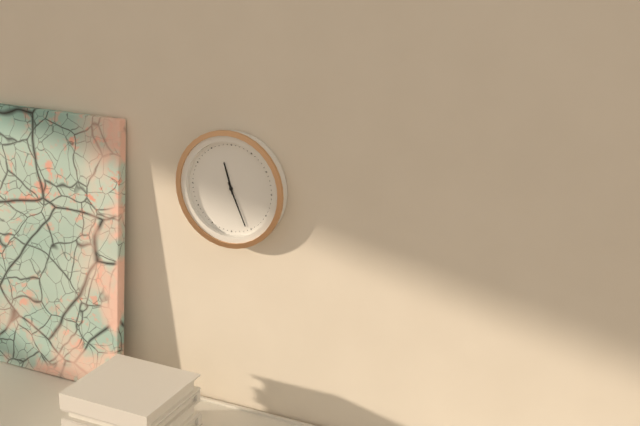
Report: h=11 m=26
